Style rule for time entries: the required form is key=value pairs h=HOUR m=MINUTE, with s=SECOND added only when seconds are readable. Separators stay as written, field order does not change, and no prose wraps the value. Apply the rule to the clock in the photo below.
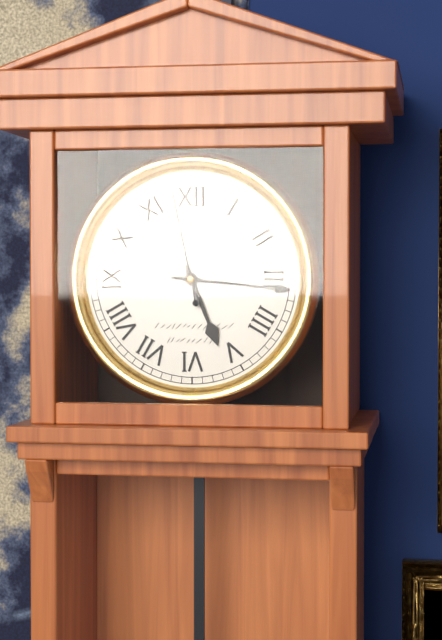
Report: h=5 m=16 s=58
